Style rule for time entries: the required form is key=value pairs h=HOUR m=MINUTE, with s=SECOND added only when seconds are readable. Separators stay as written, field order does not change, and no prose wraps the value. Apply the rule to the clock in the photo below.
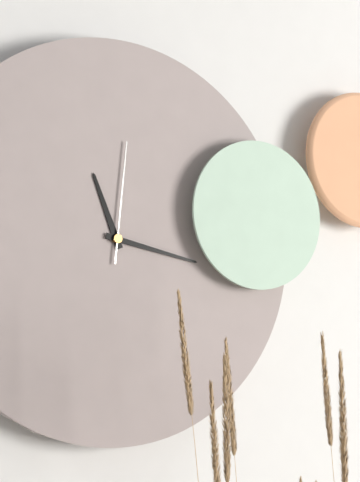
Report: h=11 m=17 s=1
